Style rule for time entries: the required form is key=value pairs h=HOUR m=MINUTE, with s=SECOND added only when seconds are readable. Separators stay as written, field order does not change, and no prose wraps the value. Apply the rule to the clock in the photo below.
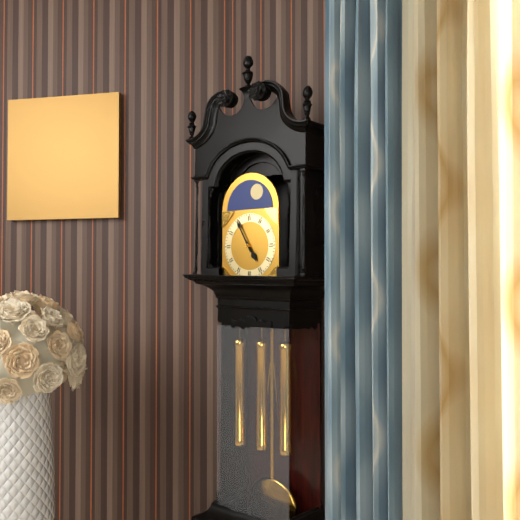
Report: h=4 m=55
